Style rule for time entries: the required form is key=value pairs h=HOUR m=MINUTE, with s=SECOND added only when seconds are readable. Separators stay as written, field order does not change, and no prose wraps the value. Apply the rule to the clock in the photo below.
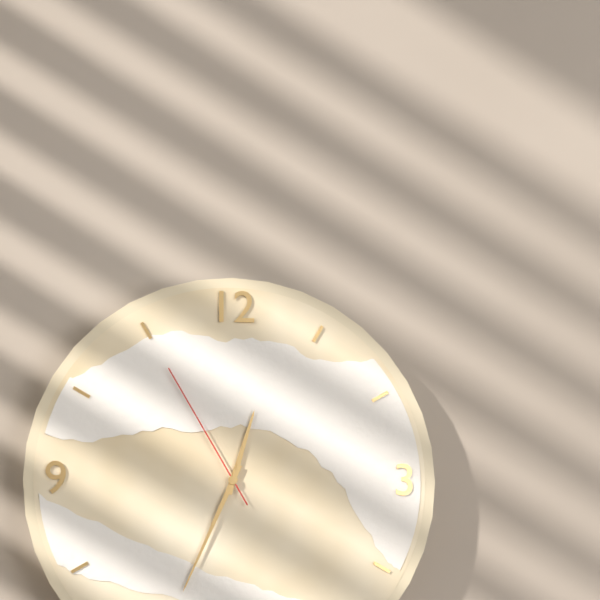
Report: h=12 m=34 s=55
